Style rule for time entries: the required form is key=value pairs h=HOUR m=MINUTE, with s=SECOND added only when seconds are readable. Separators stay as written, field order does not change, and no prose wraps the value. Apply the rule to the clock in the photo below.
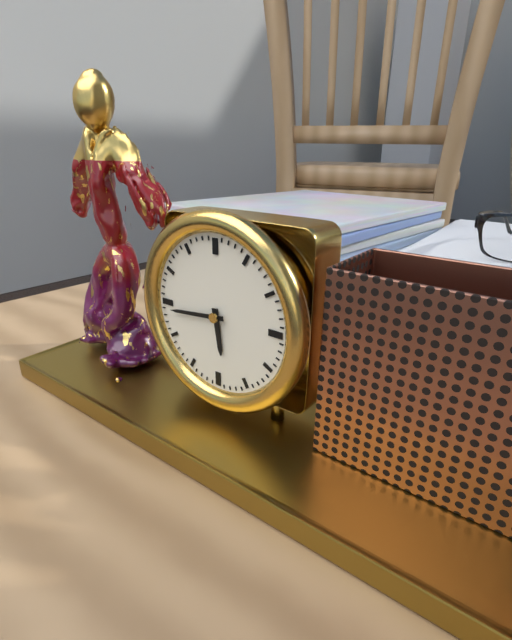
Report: h=5 m=44
